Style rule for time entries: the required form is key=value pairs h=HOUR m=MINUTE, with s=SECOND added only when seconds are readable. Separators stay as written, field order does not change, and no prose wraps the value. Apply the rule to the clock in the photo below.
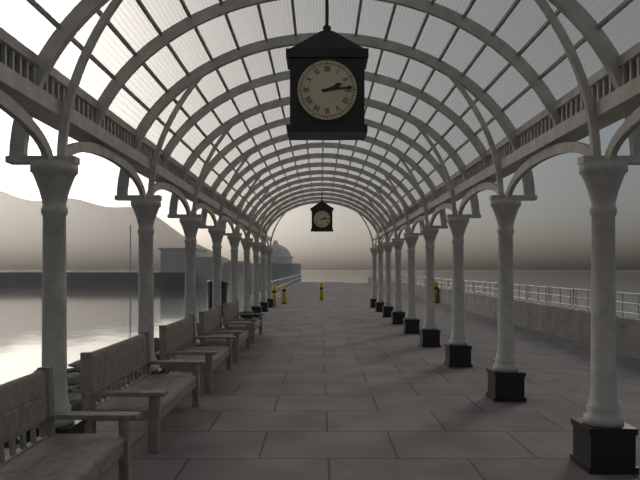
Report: h=2 m=14
